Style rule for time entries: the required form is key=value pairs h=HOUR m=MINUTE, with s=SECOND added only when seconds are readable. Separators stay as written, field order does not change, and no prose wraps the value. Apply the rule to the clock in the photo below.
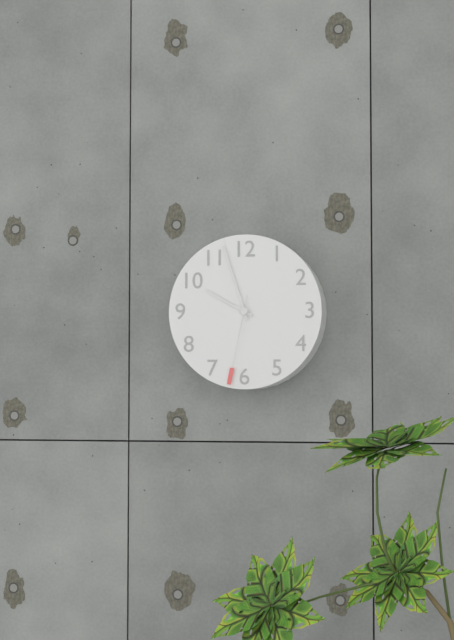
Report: h=9 m=57 s=32
